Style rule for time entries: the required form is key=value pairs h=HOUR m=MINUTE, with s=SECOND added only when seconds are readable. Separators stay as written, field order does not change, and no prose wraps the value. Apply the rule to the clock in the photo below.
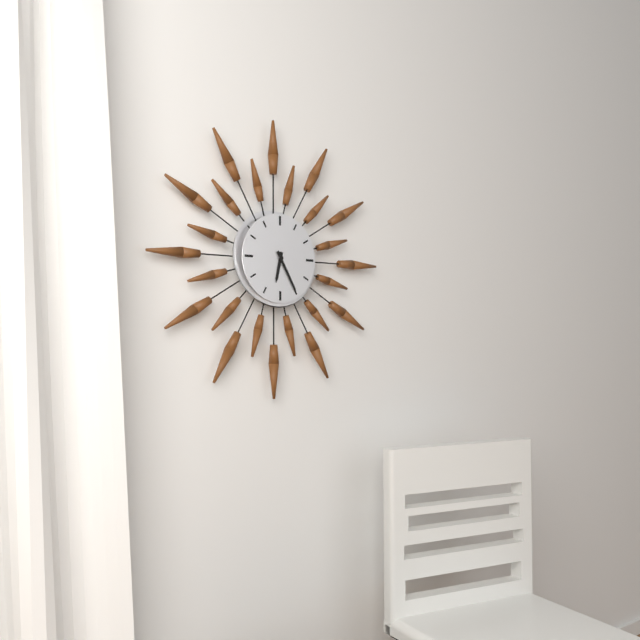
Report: h=6 m=25
